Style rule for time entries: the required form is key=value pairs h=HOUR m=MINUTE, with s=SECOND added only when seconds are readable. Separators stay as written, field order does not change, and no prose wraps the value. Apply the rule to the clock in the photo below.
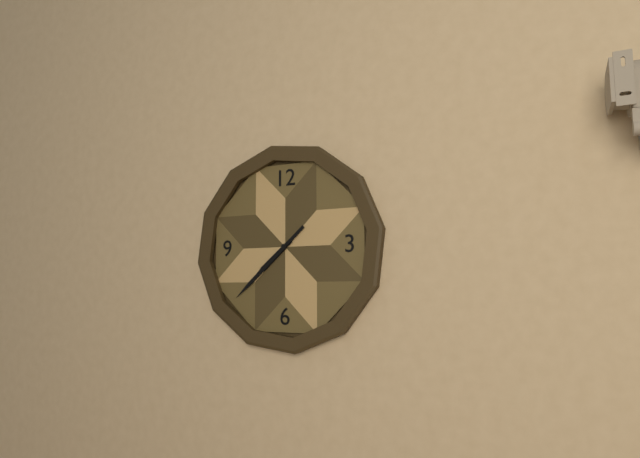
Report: h=7 m=38
